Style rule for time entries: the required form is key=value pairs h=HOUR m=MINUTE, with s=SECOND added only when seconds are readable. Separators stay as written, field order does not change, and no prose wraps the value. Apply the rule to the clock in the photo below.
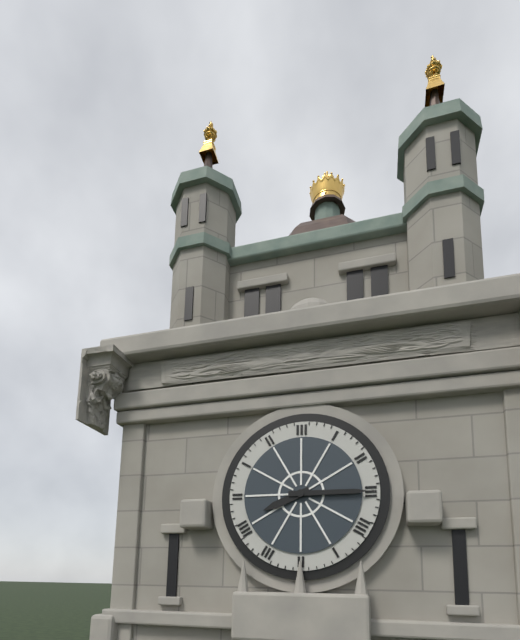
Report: h=8 m=15
